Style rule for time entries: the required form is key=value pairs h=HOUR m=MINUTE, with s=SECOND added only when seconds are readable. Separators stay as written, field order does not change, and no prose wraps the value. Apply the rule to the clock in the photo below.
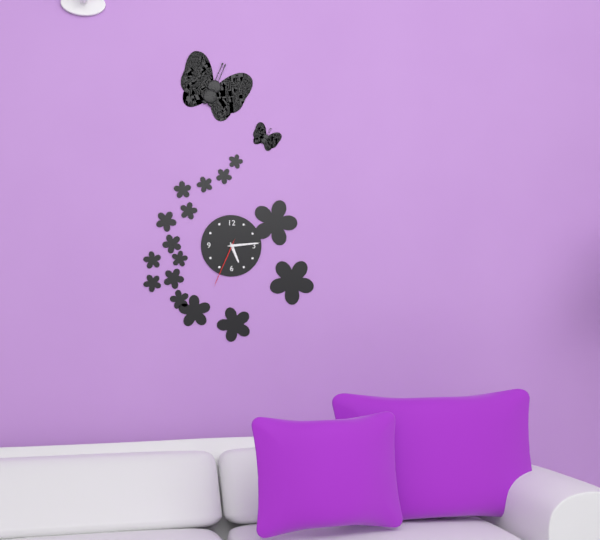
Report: h=5 m=14 s=34
